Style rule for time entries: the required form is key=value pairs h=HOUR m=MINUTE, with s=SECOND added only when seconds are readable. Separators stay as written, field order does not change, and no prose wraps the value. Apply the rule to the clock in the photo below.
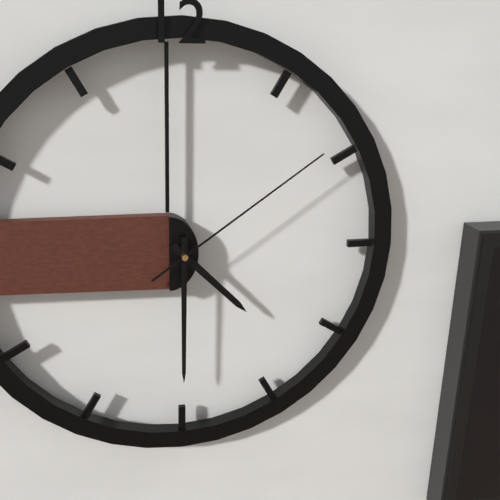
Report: h=4 m=30 s=9
